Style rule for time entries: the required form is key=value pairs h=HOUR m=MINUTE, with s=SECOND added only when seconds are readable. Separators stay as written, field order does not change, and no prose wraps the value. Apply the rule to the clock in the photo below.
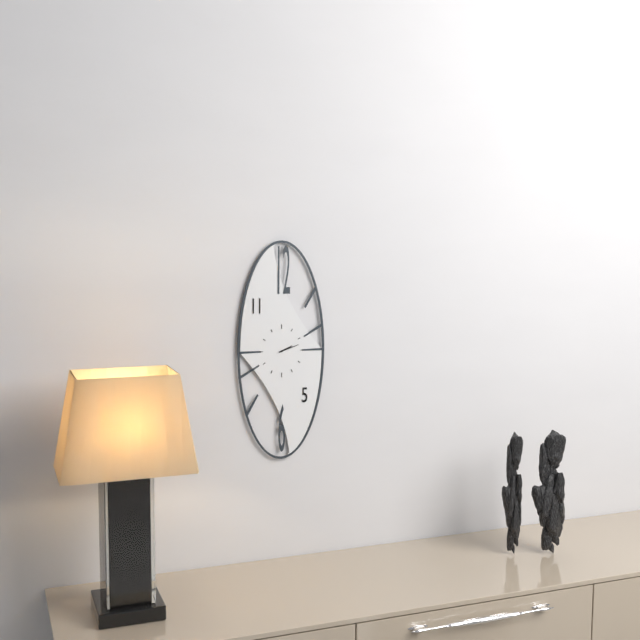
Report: h=2 m=12
